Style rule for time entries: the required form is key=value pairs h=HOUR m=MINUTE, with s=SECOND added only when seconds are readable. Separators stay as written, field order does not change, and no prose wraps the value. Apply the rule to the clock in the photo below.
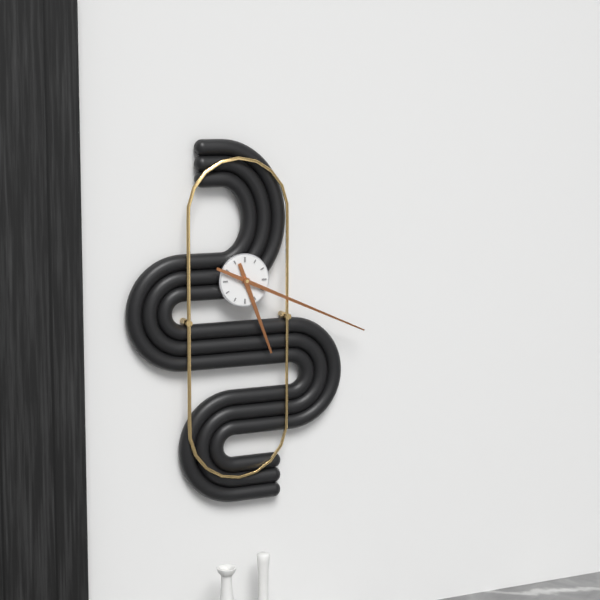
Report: h=5 m=19
